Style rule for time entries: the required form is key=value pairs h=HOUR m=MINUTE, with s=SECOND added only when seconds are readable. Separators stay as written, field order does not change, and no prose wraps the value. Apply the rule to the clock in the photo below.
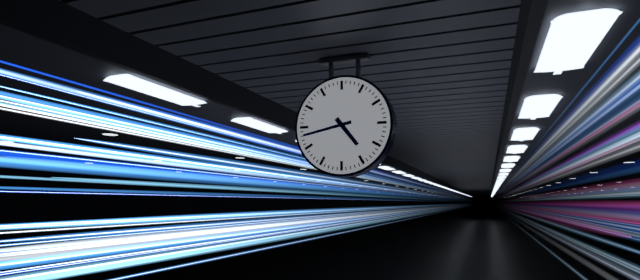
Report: h=4 m=43
